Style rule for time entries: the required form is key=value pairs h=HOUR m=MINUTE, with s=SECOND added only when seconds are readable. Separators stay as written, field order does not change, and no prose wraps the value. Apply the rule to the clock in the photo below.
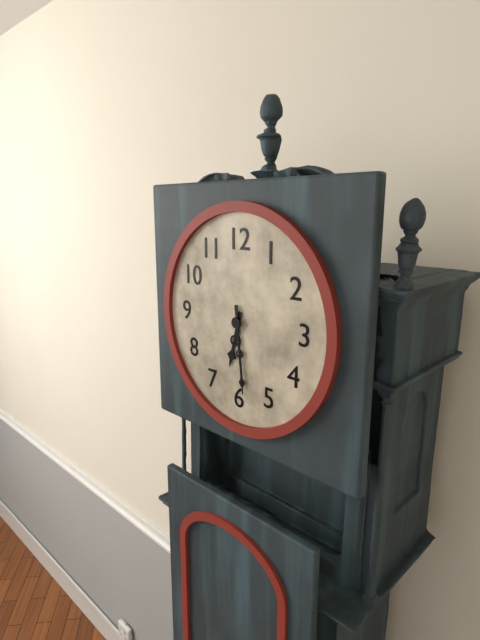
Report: h=6 m=29
